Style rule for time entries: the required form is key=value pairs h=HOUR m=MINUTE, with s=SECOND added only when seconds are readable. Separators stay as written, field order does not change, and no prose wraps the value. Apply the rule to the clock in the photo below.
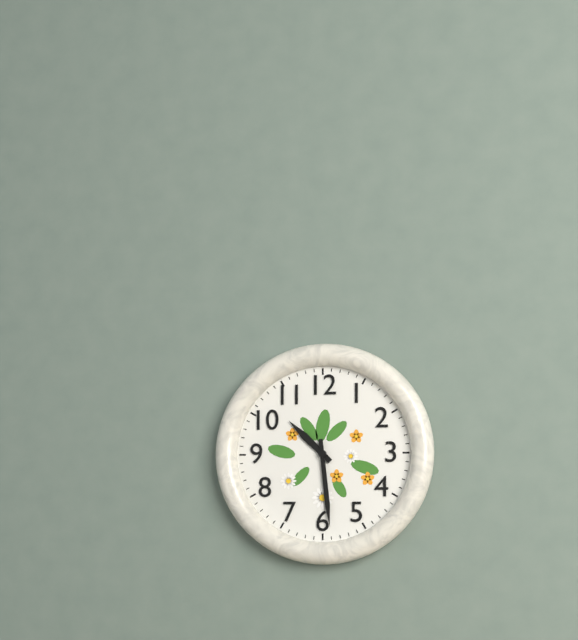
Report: h=10 m=29
